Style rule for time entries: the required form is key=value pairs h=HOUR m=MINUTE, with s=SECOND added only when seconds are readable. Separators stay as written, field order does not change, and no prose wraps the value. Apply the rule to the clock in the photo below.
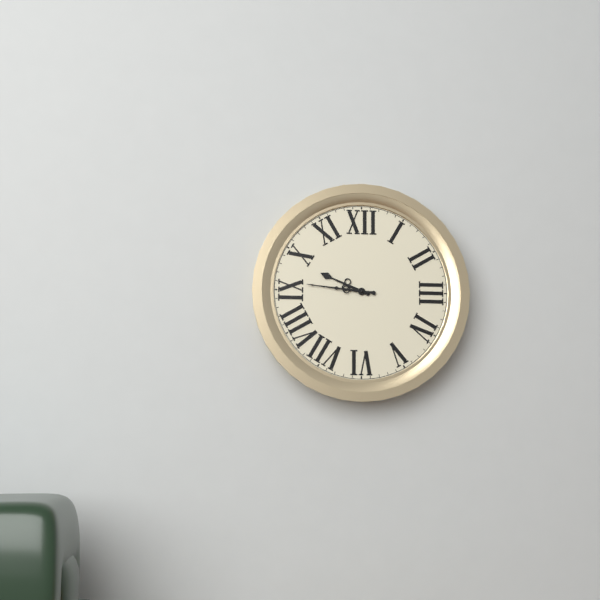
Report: h=9 m=46
